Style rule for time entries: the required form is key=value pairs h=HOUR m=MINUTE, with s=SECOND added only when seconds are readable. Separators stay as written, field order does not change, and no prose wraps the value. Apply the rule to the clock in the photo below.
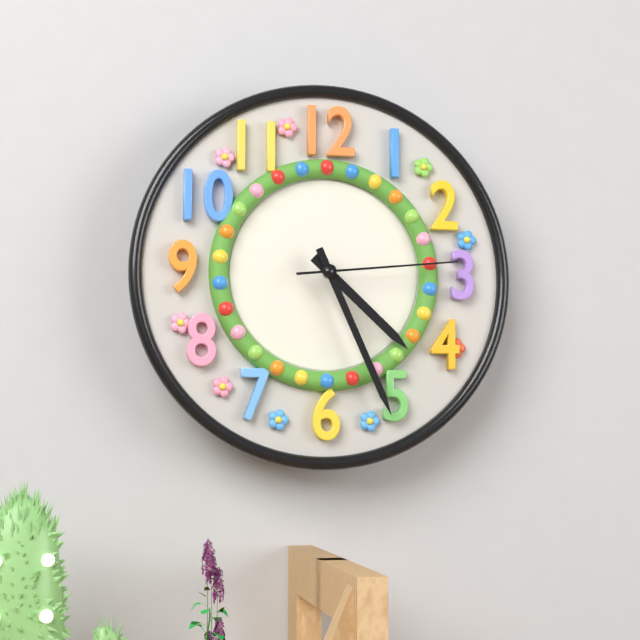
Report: h=4 m=26 s=14
